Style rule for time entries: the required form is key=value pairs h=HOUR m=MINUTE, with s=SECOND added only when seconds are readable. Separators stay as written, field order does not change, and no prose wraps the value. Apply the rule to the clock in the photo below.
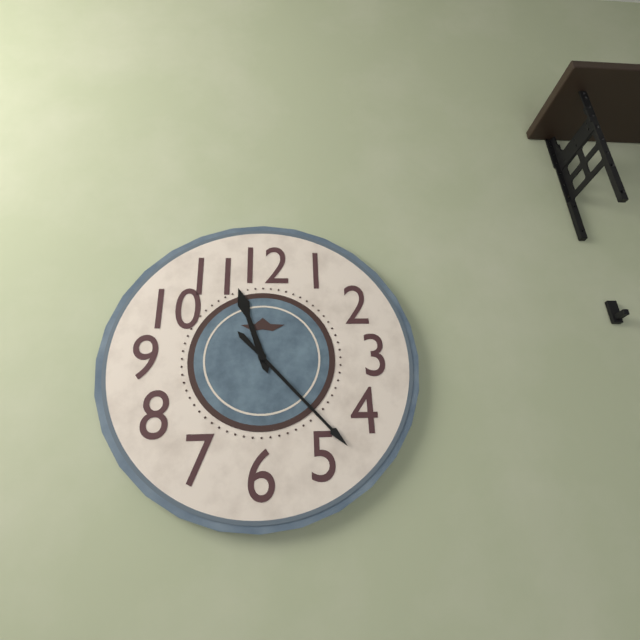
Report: h=11 m=23
